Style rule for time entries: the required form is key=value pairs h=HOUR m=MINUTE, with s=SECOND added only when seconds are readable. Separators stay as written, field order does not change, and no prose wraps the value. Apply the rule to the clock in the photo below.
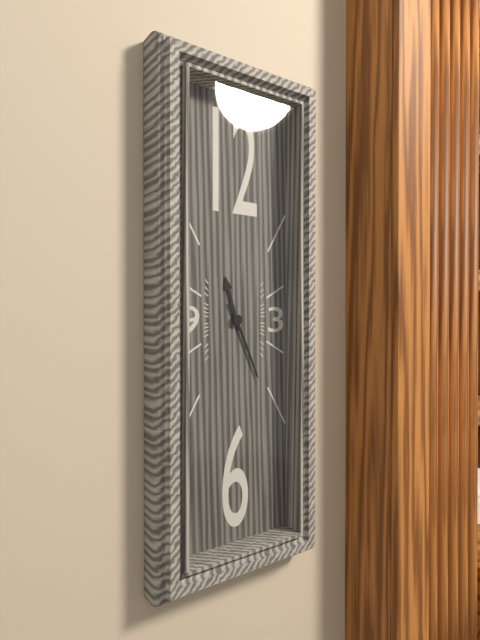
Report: h=11 m=26
